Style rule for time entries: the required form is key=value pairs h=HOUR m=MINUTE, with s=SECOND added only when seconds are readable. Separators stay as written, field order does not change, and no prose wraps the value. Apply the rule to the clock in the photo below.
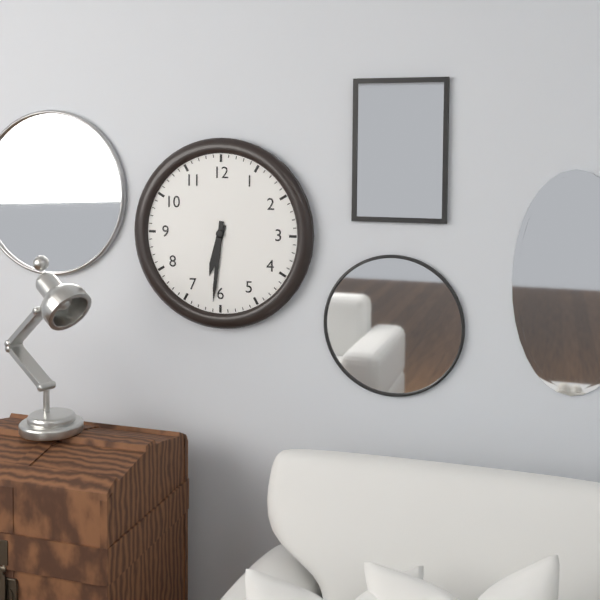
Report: h=6 m=31
